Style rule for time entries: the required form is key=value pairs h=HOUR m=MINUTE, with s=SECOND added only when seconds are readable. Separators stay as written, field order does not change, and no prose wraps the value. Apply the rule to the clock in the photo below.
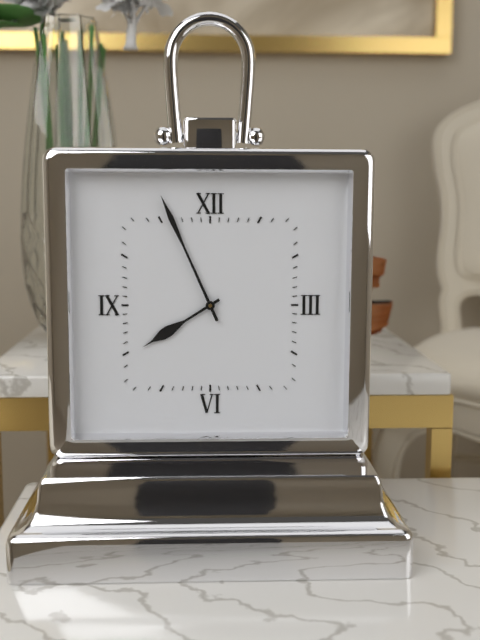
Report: h=7 m=56
